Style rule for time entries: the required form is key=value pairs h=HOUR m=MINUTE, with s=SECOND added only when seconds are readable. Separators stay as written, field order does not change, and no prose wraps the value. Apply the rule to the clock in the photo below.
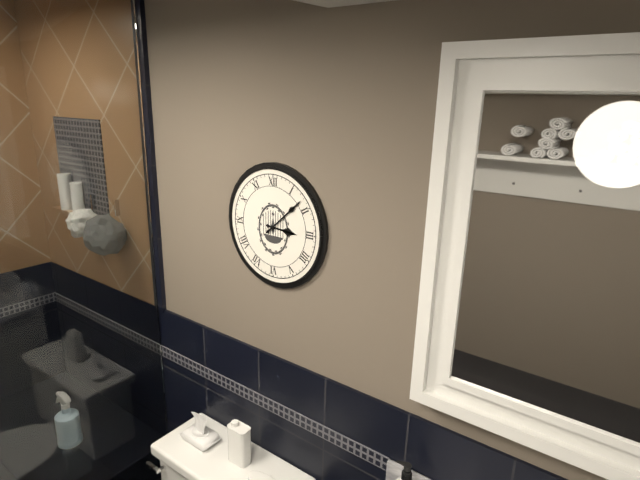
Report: h=3 m=8
